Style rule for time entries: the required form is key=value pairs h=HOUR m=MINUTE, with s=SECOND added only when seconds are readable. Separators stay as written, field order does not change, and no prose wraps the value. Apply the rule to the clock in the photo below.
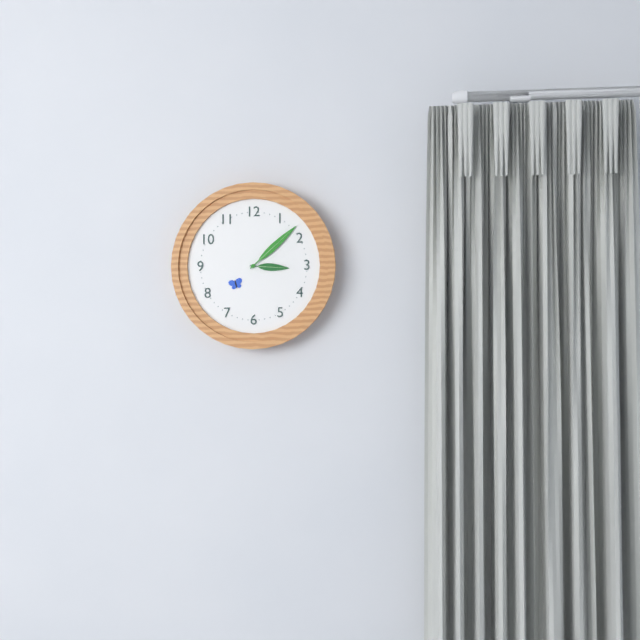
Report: h=3 m=8
